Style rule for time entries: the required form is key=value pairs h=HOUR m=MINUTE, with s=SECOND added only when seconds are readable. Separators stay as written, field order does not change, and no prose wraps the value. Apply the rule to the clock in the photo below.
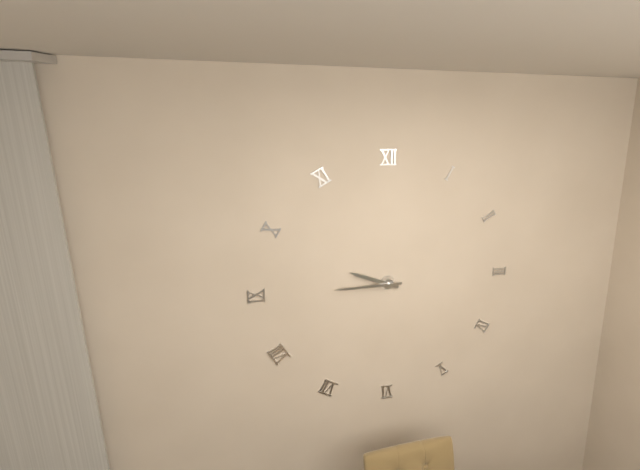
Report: h=9 m=45
